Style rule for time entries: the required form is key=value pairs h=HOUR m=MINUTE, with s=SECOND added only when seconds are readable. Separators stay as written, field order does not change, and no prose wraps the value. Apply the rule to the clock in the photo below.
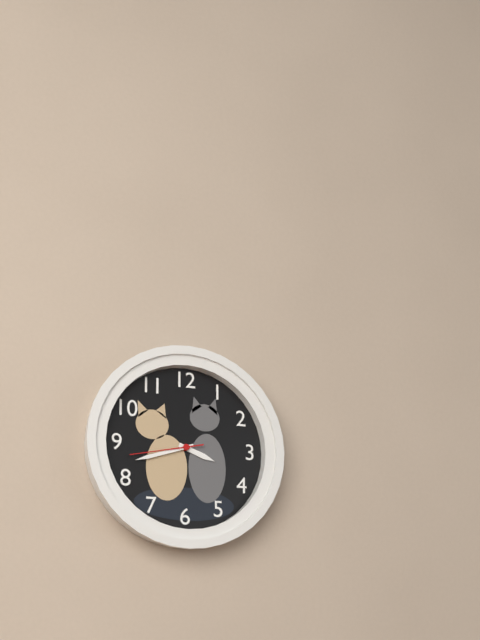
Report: h=3 m=42 s=43
